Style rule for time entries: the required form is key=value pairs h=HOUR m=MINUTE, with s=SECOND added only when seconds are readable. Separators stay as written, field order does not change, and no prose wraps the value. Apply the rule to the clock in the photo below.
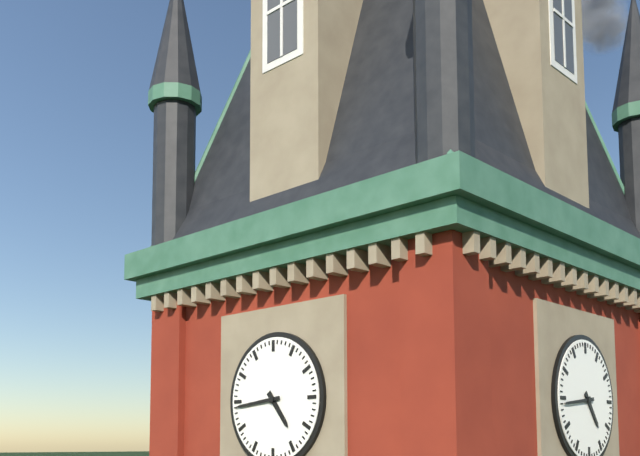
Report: h=4 m=44
